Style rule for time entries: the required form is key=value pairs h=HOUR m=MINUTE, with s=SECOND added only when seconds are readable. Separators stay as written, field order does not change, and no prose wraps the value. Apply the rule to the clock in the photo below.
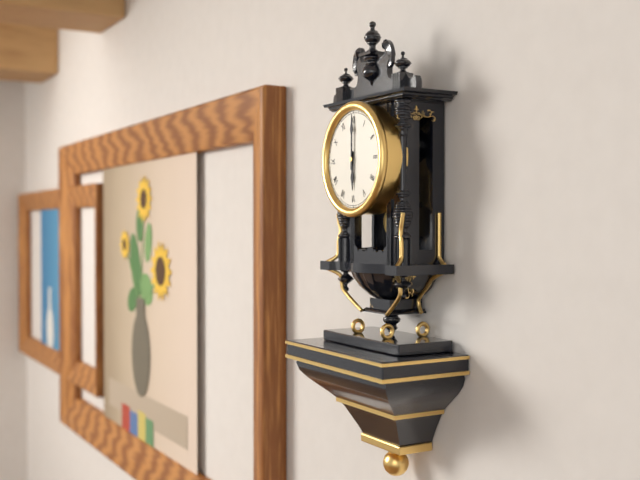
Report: h=6 m=0
